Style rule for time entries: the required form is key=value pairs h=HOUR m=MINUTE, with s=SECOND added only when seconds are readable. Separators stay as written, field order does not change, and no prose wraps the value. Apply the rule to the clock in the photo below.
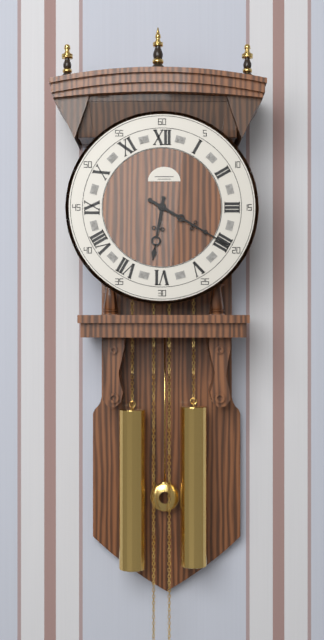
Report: h=6 m=20
